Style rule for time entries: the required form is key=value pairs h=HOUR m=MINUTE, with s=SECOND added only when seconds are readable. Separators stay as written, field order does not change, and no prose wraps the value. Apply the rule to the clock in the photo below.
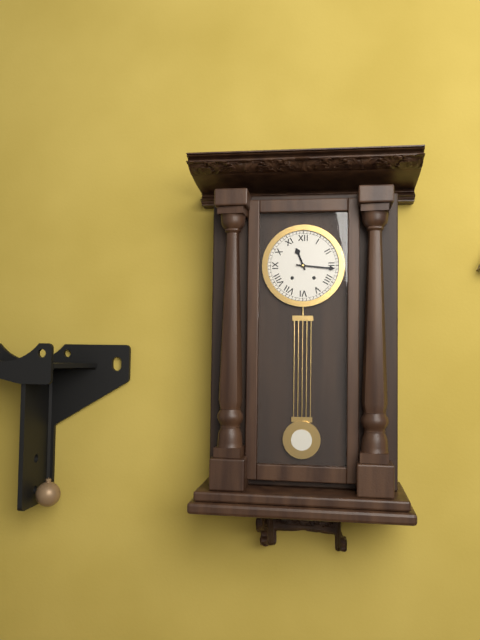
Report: h=11 m=16
